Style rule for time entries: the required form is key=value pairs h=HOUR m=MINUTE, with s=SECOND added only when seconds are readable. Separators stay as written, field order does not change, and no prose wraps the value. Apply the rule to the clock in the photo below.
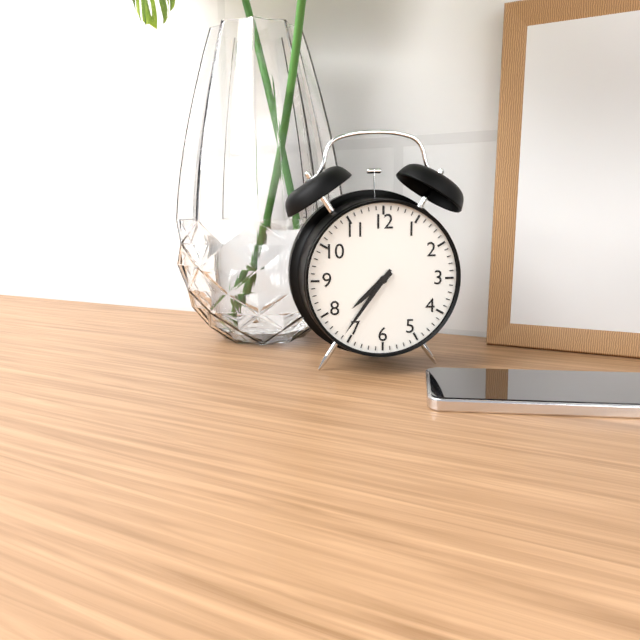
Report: h=7 m=36
